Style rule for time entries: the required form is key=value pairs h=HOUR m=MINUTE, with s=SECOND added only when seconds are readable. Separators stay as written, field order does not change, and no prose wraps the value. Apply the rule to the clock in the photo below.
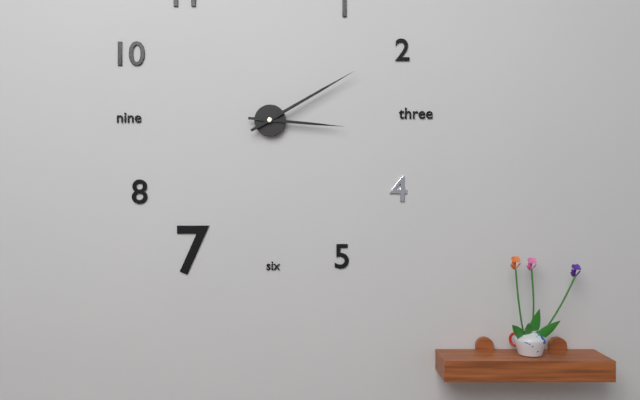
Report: h=3 m=10
